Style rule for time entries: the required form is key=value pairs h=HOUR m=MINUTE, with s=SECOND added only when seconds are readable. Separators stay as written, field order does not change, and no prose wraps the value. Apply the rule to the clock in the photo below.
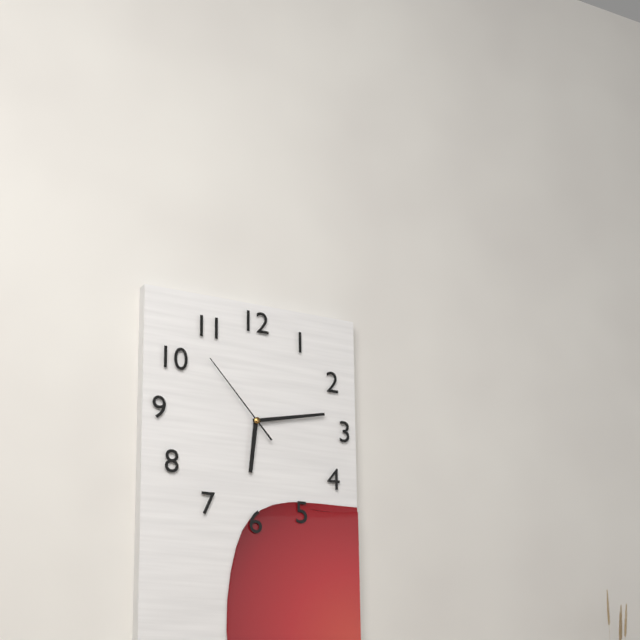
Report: h=6 m=13 s=53
